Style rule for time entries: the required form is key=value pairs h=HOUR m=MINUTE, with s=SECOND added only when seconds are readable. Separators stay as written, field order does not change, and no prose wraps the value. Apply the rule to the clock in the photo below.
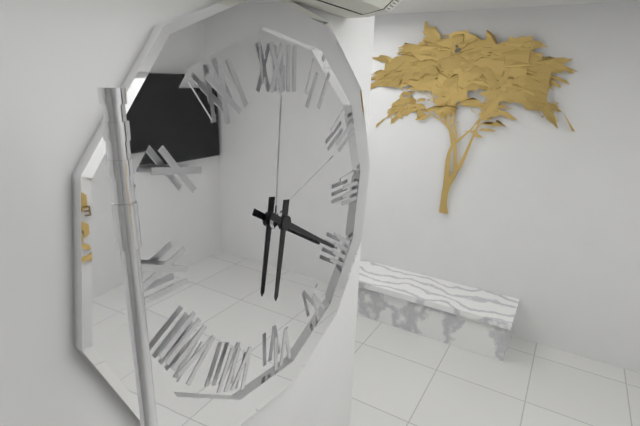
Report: h=6 m=20
